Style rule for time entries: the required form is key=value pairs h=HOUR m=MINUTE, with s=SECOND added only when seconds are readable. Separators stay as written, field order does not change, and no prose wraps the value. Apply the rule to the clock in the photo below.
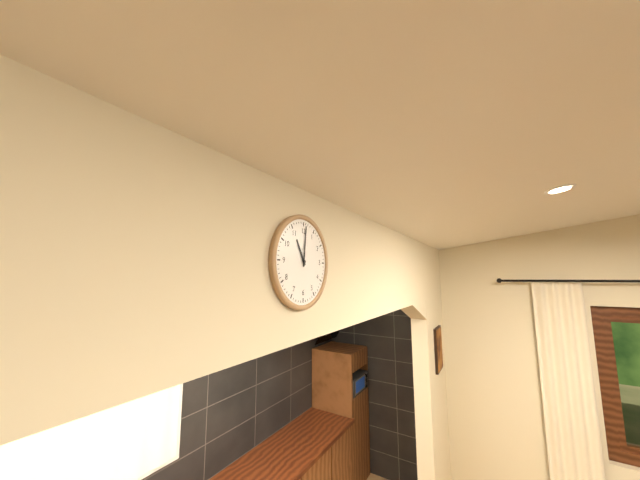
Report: h=11 m=1
